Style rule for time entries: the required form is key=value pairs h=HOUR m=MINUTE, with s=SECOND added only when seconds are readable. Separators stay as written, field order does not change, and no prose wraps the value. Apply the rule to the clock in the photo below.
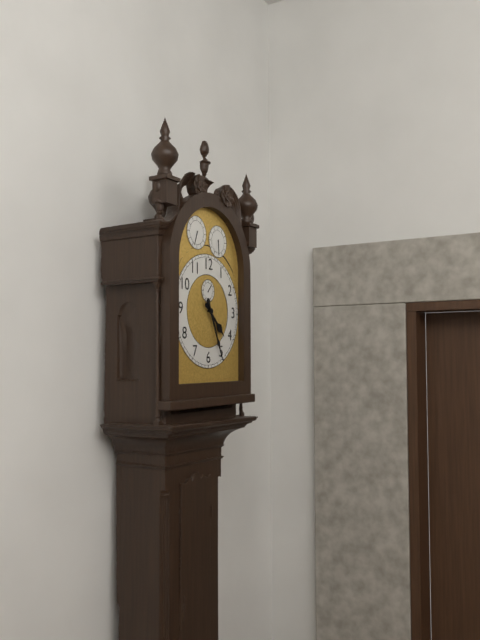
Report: h=4 m=26
